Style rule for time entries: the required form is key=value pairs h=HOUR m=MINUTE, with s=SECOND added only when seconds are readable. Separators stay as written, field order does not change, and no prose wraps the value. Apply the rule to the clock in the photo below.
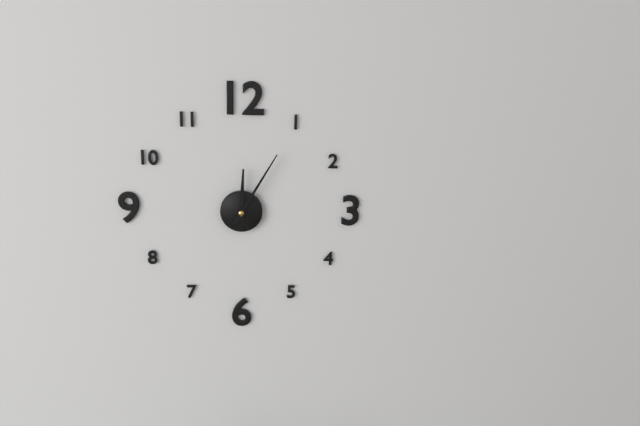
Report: h=12 m=5
